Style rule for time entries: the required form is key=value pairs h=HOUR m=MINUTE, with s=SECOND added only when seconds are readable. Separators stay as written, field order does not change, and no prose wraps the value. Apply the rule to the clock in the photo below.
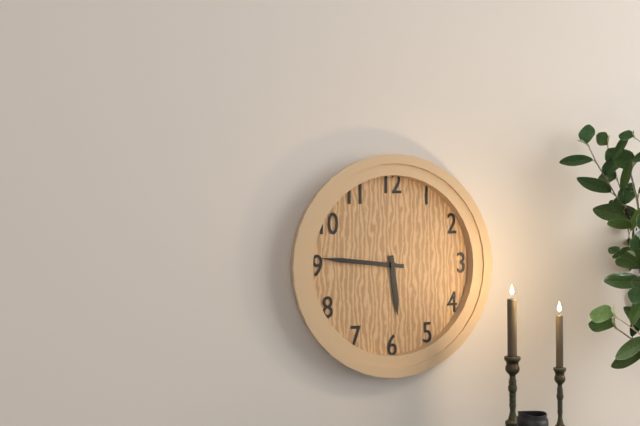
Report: h=5 m=46
